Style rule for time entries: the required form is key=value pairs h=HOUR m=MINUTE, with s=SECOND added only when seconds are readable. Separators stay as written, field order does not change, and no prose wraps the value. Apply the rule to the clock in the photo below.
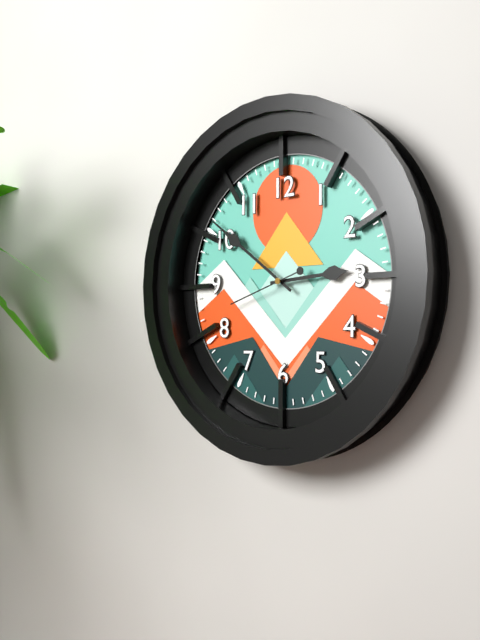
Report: h=2 m=51 s=42
